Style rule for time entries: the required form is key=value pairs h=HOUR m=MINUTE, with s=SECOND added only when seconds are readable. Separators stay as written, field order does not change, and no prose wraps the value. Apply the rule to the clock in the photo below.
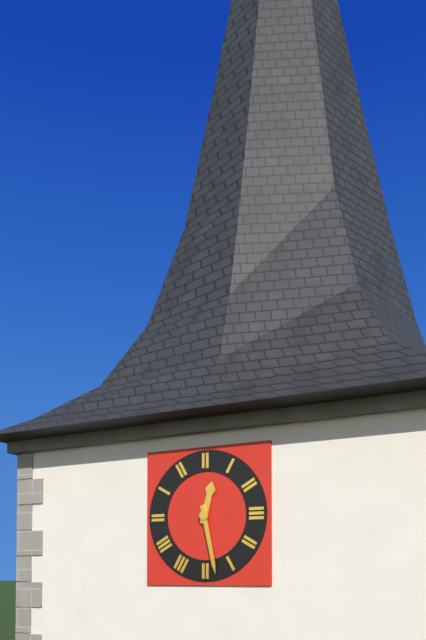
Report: h=12 m=28
